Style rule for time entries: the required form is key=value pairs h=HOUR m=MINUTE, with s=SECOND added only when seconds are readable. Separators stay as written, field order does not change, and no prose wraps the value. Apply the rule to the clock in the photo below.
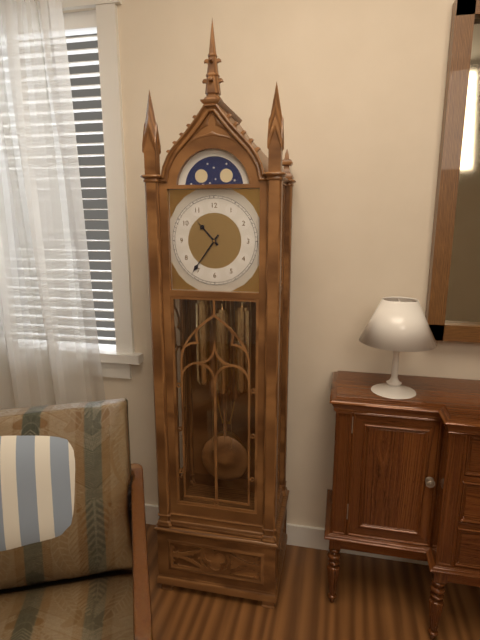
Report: h=10 m=36
